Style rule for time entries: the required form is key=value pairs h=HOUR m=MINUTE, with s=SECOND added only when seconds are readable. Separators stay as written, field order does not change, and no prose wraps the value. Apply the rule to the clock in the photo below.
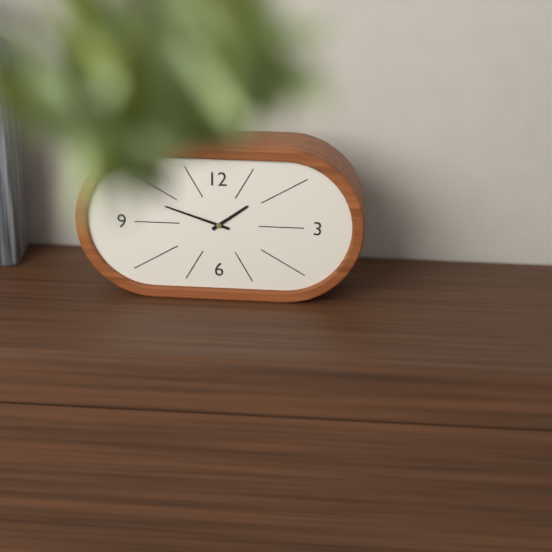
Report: h=1 m=48
